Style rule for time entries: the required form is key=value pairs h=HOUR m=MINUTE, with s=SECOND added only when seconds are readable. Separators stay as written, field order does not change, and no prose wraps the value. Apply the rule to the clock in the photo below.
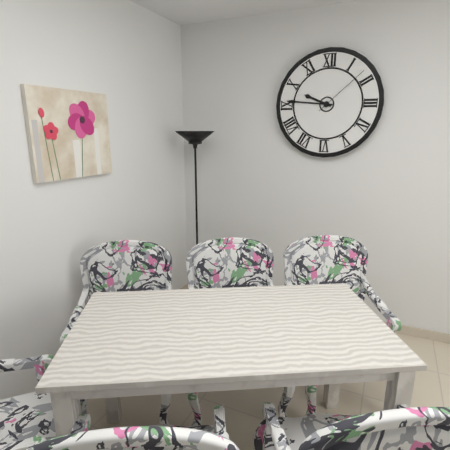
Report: h=9 m=46 s=8
